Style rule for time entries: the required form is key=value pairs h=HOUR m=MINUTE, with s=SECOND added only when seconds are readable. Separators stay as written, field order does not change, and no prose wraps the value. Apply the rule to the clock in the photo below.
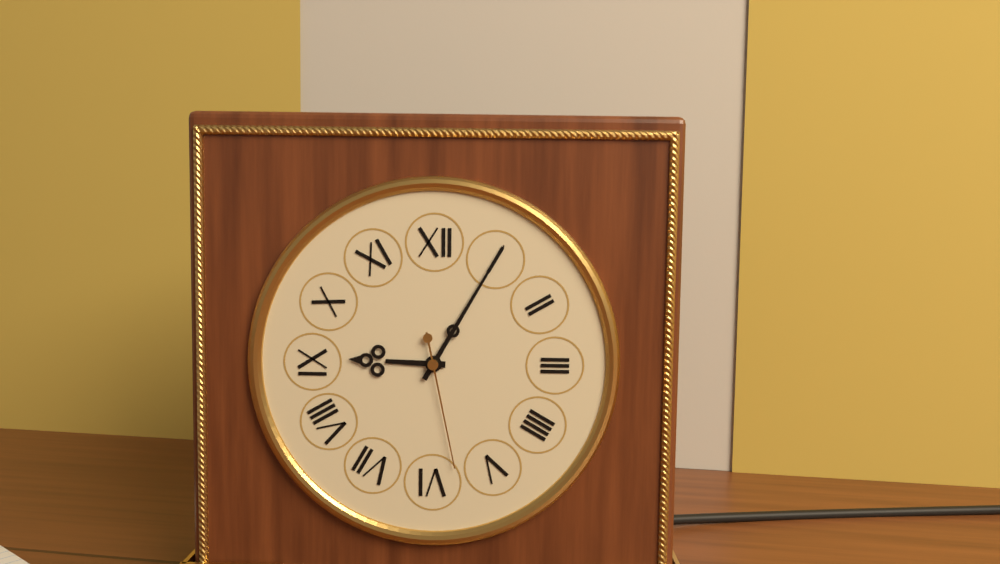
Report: h=9 m=5 s=28
